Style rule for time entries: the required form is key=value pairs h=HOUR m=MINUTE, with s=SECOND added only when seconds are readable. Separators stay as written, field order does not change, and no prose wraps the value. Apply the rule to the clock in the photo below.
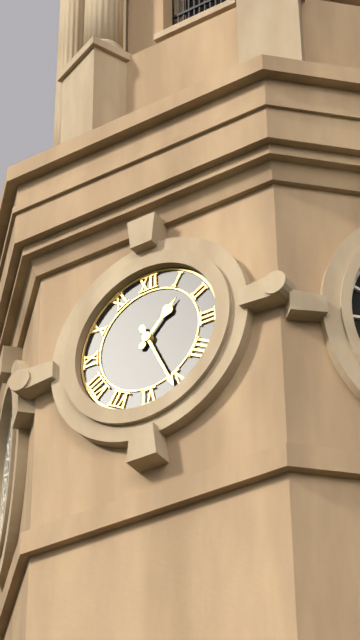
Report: h=1 m=26
